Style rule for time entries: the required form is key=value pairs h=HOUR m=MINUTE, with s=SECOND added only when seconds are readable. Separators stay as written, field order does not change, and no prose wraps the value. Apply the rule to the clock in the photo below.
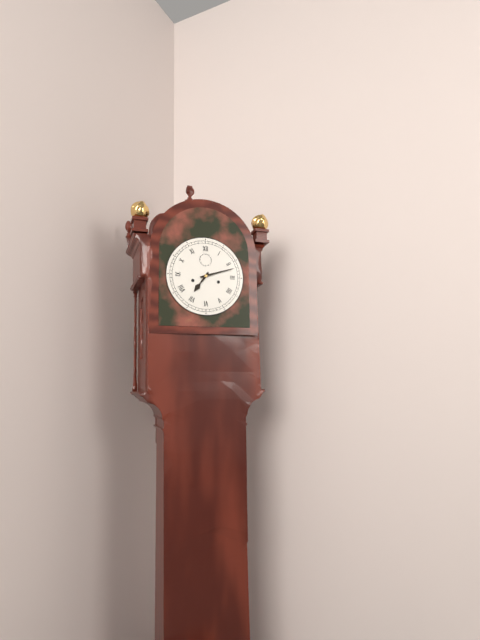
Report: h=7 m=12
